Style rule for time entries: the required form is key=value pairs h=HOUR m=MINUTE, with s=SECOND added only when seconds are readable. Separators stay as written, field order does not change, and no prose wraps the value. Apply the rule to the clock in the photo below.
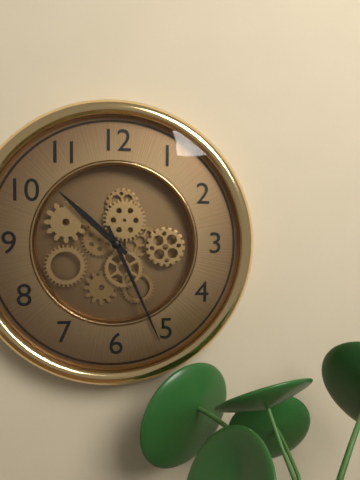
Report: h=10 m=26
